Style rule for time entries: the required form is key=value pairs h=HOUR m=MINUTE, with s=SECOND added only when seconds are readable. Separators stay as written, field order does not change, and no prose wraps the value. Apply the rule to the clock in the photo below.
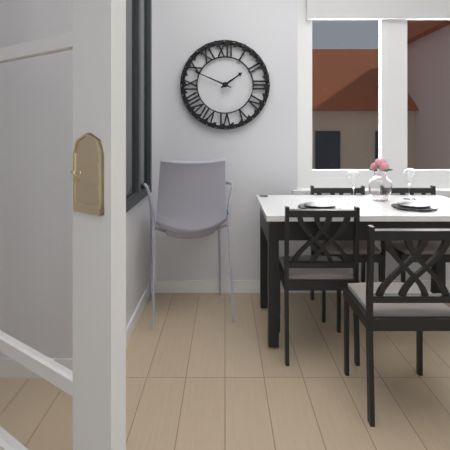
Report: h=1 m=49
